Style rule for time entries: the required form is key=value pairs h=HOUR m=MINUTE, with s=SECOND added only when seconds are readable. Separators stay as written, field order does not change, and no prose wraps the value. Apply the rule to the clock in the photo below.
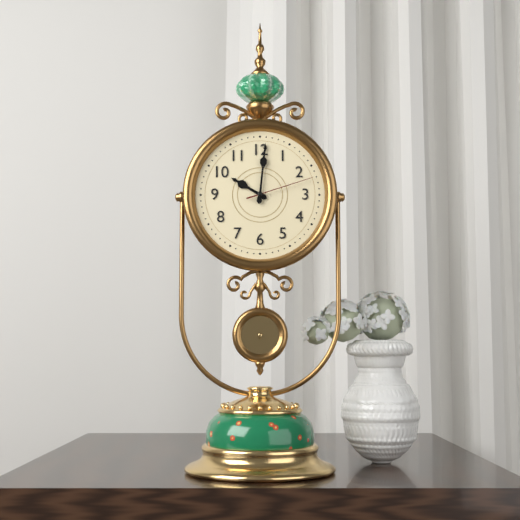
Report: h=10 m=1 s=12
